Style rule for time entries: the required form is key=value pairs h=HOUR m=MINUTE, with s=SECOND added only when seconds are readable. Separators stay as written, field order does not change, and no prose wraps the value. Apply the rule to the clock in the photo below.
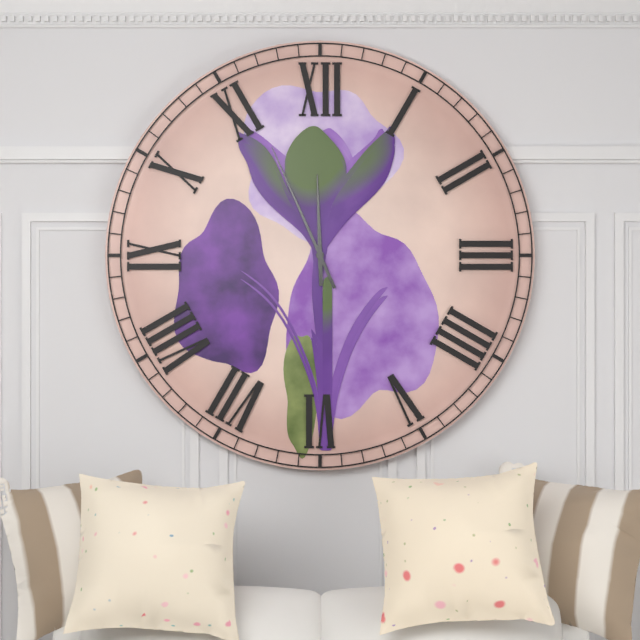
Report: h=11 m=56
